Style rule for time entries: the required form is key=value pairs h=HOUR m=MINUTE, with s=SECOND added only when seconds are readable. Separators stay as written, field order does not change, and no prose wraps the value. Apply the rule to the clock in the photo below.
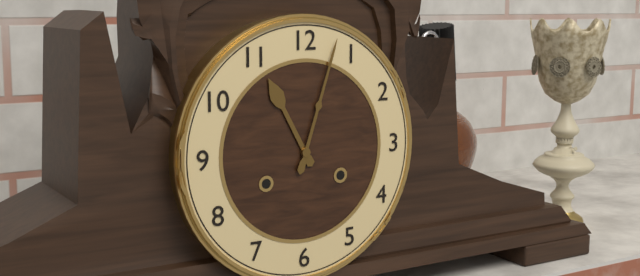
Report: h=11 m=3
